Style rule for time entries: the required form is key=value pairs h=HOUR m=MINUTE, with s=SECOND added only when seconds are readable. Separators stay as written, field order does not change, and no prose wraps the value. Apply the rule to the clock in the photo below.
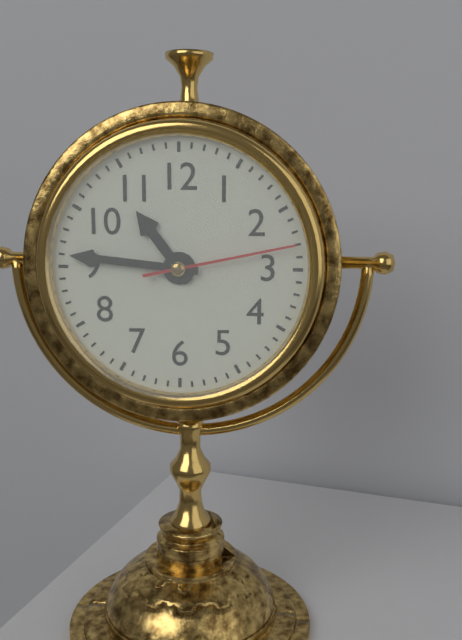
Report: h=10 m=46 s=13
